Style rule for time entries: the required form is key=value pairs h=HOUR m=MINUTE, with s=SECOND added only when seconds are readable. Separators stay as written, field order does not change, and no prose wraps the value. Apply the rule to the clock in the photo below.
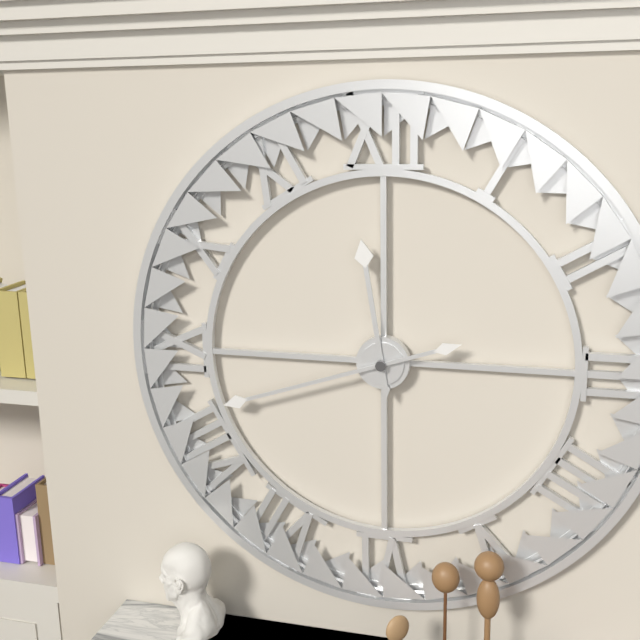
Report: h=11 m=42
